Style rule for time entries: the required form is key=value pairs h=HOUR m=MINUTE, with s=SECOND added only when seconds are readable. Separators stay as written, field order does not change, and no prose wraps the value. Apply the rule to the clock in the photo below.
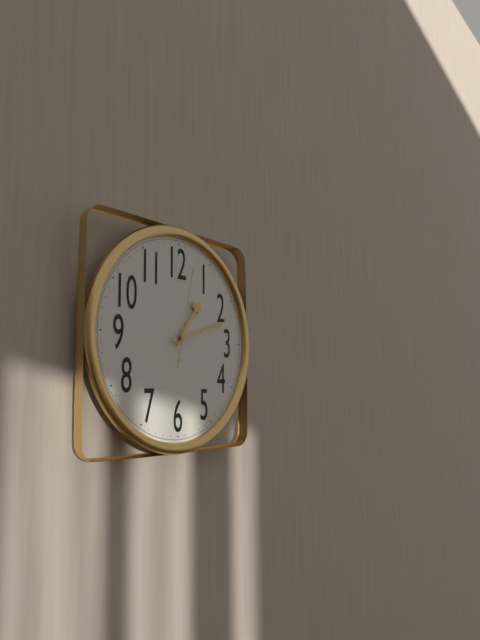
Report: h=1 m=12 s=2
